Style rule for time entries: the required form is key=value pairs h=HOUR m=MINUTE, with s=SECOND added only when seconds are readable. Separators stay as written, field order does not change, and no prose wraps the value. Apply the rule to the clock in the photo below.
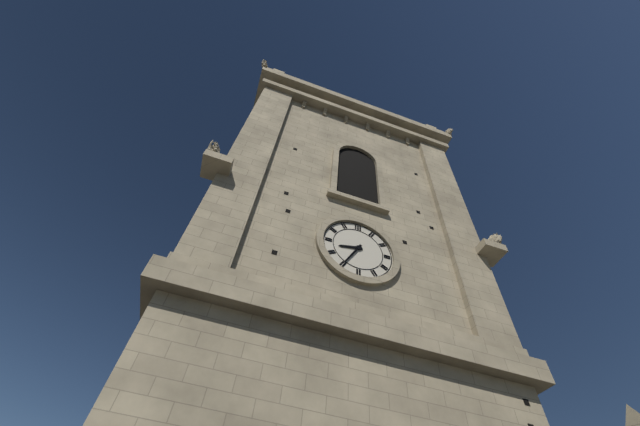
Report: h=8 m=35
